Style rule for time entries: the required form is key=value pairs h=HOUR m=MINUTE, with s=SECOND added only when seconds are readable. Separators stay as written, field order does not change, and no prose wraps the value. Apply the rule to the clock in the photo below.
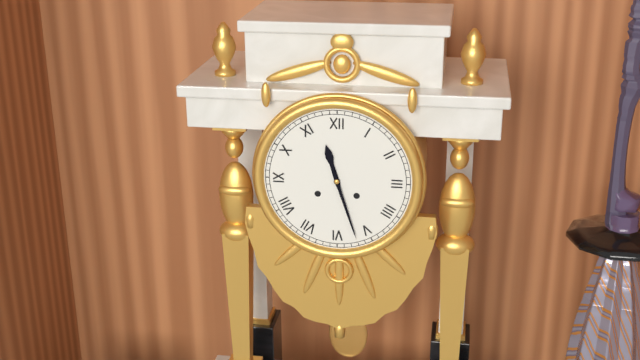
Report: h=11 m=27
